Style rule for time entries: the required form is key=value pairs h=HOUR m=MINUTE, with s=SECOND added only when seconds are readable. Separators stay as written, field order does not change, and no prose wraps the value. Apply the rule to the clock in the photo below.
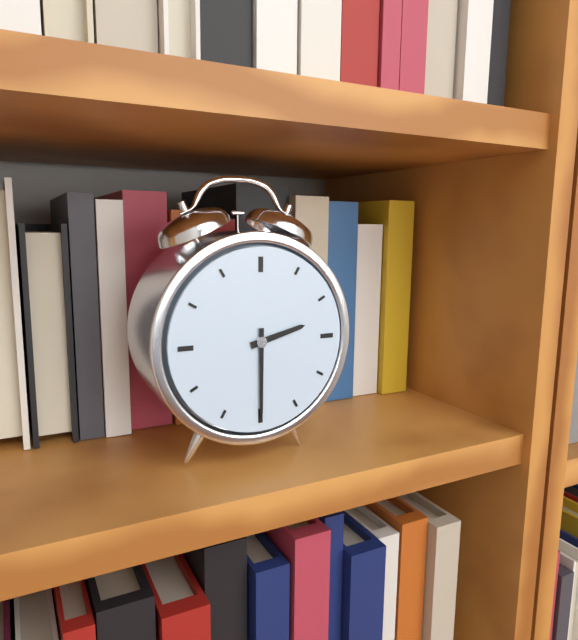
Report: h=2 m=30
